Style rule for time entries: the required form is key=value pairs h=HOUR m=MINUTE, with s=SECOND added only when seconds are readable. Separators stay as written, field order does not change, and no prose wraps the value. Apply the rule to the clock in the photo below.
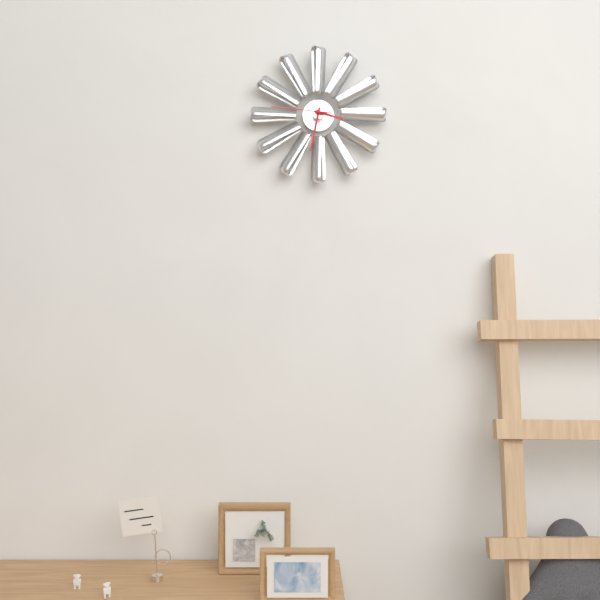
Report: h=3 m=32 s=46
